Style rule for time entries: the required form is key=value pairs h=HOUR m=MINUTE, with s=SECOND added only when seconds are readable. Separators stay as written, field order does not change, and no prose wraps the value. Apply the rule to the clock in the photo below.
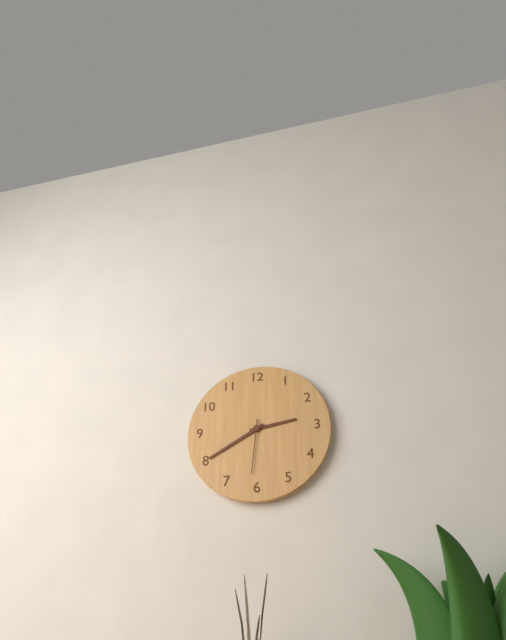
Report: h=2 m=40 s=31
